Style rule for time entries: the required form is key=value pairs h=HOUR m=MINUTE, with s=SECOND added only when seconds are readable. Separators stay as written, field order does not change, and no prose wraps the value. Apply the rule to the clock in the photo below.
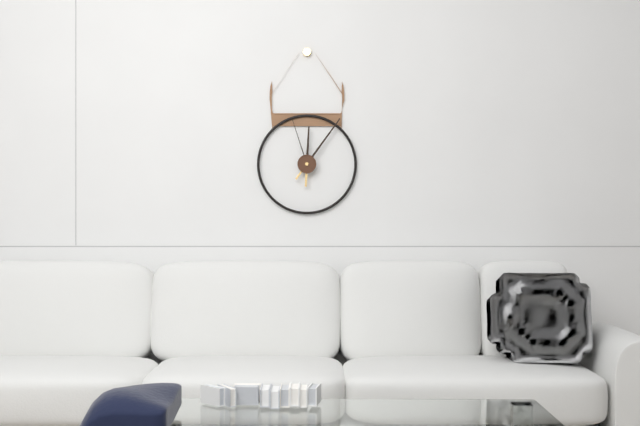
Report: h=12 m=6 s=57
